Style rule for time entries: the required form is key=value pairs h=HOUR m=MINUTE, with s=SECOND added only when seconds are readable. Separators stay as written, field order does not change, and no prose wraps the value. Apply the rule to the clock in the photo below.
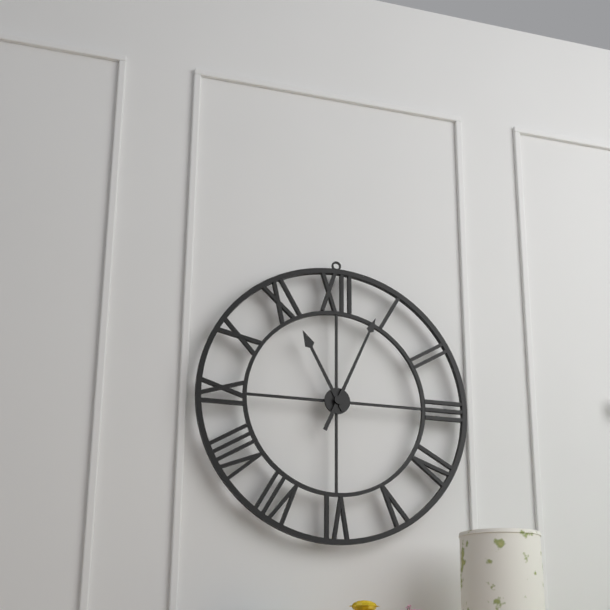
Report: h=11 m=4
